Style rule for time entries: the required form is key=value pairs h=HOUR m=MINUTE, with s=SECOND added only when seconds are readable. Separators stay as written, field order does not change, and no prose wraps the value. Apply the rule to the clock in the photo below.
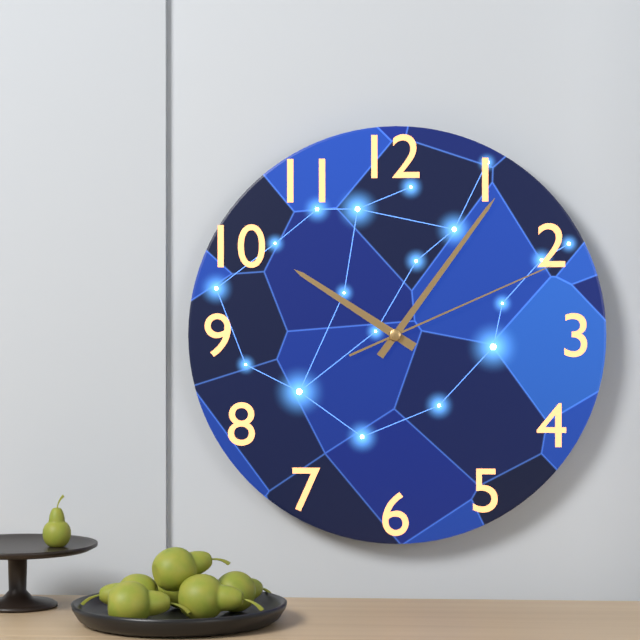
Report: h=10 m=6 s=11
